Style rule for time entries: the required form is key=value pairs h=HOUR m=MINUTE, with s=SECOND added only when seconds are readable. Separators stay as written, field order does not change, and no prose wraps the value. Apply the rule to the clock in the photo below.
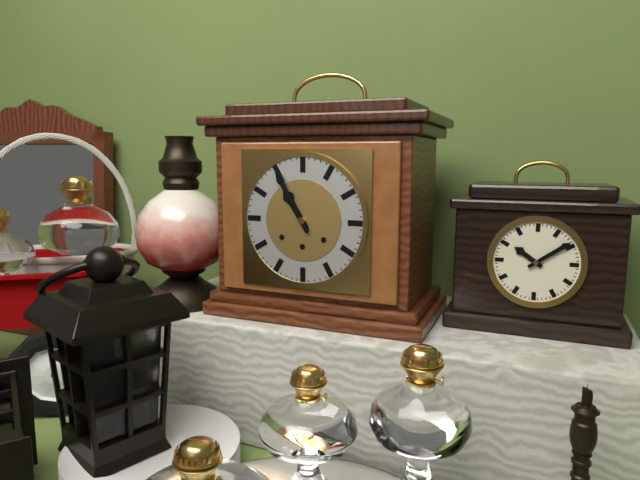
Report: h=10 m=55
